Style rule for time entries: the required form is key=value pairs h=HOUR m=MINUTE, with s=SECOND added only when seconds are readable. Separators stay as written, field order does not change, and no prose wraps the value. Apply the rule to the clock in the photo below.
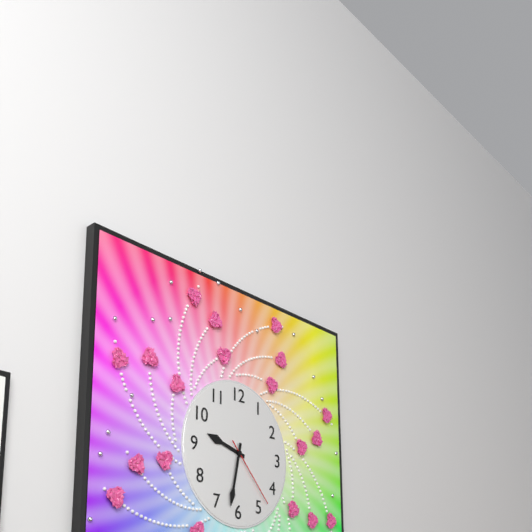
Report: h=9 m=32 s=23
